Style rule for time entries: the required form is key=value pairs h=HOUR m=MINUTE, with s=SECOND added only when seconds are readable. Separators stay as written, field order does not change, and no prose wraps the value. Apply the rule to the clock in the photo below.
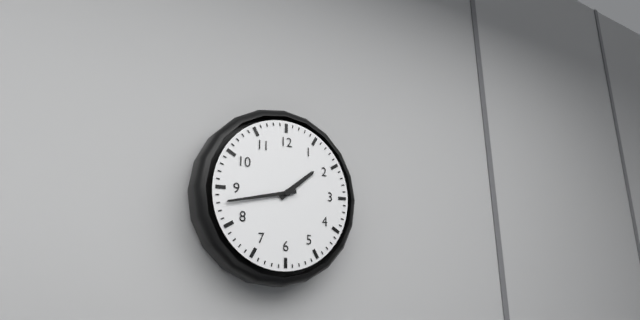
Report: h=1 m=43
